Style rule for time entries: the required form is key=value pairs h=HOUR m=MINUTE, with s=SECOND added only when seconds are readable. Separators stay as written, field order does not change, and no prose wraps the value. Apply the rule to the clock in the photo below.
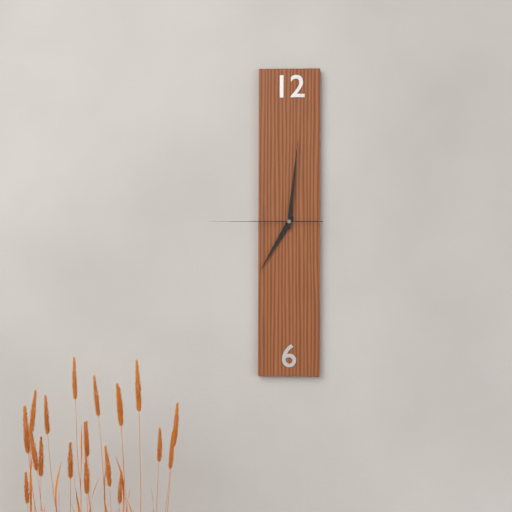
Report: h=7 m=1 s=45
